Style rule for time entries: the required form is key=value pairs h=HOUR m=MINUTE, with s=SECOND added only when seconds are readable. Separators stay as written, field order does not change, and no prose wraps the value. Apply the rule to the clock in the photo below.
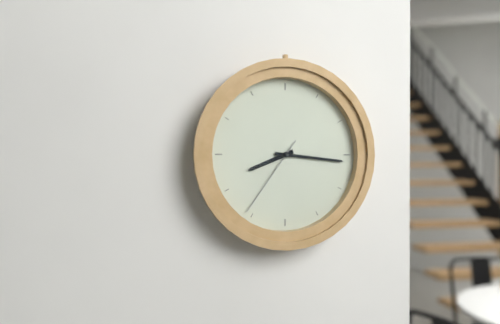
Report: h=8 m=16 s=36
